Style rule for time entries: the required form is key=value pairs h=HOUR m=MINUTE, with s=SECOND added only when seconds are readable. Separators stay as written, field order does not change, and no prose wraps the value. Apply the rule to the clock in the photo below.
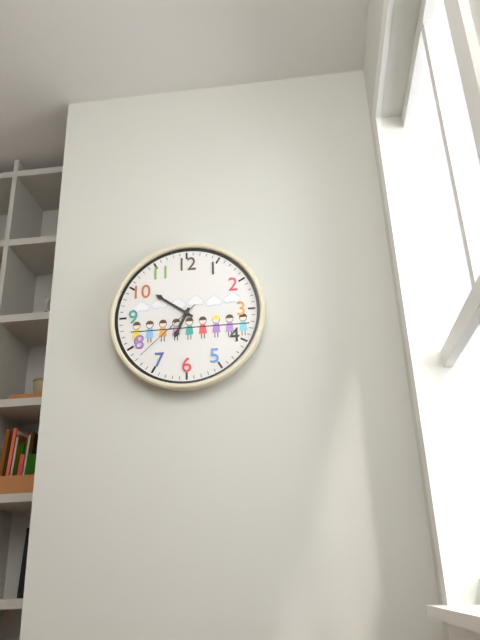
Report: h=6 m=51 s=38
